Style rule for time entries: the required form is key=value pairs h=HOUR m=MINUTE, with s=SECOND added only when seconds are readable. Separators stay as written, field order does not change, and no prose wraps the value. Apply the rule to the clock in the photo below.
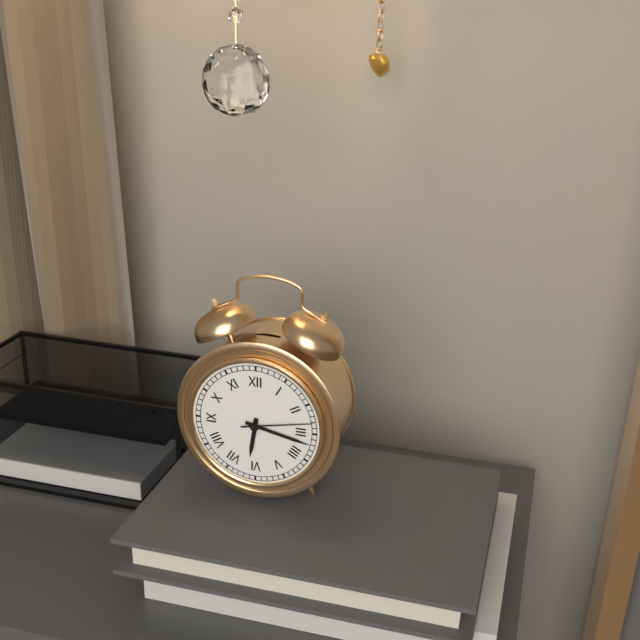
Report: h=6 m=17 s=13
